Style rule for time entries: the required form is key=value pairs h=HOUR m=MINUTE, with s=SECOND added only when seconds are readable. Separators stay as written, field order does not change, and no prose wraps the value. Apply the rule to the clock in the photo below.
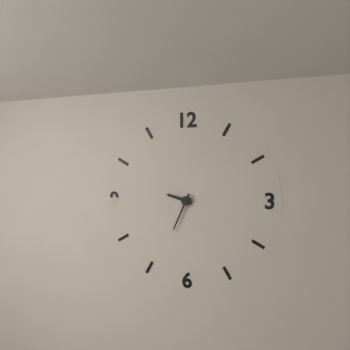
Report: h=9 m=34
